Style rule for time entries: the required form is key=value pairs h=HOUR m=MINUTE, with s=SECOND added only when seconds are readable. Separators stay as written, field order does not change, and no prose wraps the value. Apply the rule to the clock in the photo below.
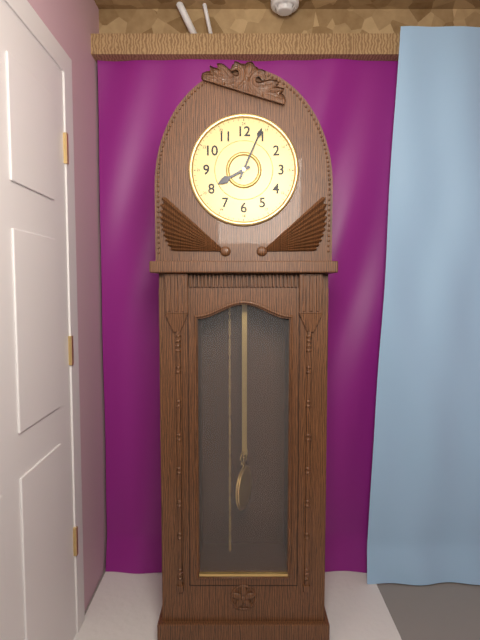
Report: h=8 m=4
